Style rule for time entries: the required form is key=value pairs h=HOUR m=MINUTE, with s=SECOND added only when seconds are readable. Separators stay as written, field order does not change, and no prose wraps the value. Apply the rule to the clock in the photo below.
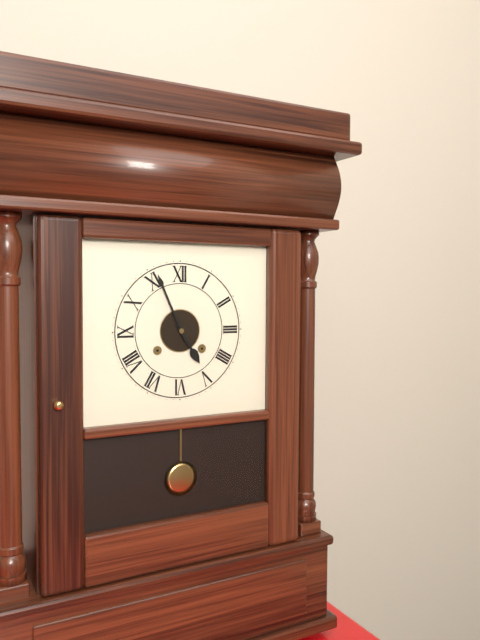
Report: h=4 m=56
